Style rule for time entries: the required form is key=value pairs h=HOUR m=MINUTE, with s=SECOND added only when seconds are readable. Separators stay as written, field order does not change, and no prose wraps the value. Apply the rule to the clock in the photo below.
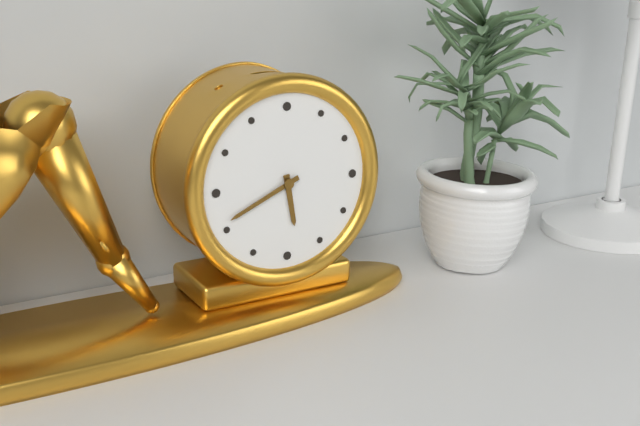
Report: h=5 m=41
